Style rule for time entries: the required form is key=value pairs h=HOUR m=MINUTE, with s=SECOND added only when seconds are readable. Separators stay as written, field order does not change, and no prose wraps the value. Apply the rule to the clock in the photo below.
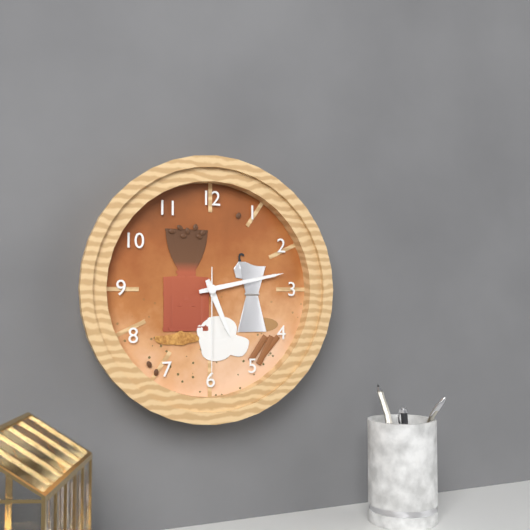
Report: h=5 m=13 s=30
